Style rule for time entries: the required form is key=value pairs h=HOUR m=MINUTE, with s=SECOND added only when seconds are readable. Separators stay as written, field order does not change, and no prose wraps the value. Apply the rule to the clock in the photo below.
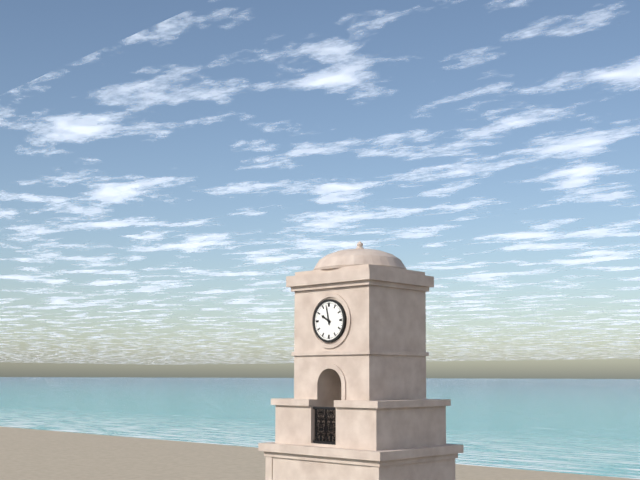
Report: h=9 m=58
